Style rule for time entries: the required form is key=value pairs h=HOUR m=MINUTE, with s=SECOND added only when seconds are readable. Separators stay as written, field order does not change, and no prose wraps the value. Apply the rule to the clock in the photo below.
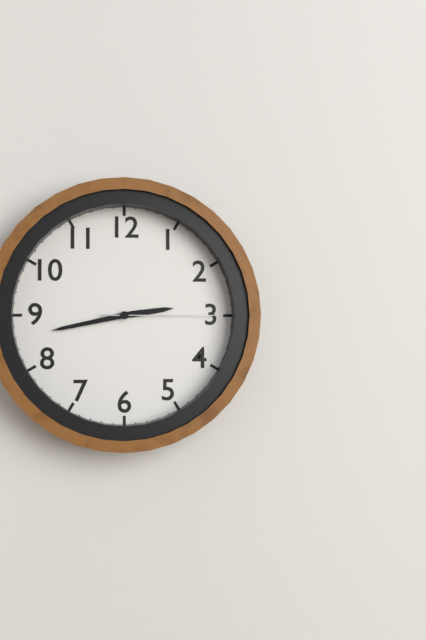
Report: h=2 m=43 s=15
